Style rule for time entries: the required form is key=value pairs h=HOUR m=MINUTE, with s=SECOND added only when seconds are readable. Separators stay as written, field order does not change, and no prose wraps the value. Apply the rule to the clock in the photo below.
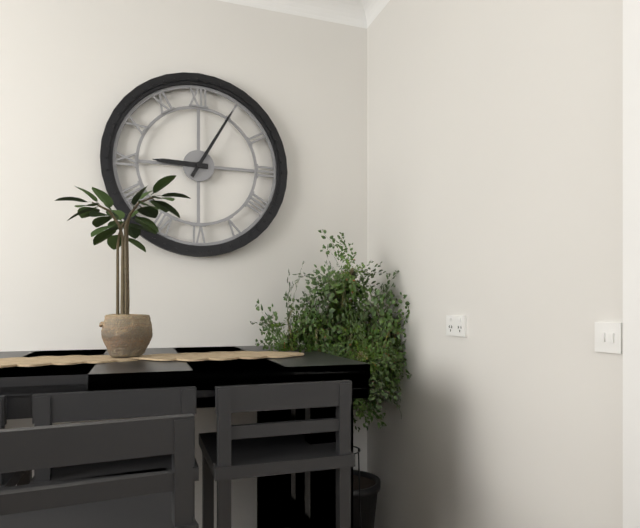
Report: h=9 m=5
